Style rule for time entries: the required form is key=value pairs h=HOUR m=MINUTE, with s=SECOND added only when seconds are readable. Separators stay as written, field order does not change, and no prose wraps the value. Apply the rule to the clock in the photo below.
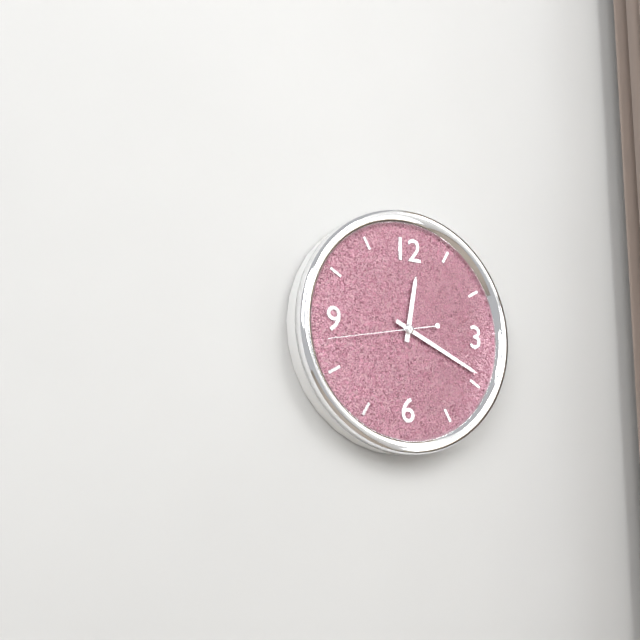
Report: h=12 m=19 s=43
